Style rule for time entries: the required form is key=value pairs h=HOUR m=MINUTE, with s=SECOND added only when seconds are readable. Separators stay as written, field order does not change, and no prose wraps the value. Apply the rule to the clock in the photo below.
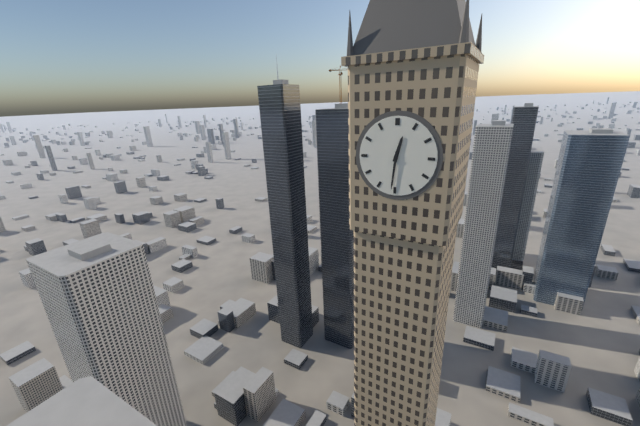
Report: h=12 m=31
